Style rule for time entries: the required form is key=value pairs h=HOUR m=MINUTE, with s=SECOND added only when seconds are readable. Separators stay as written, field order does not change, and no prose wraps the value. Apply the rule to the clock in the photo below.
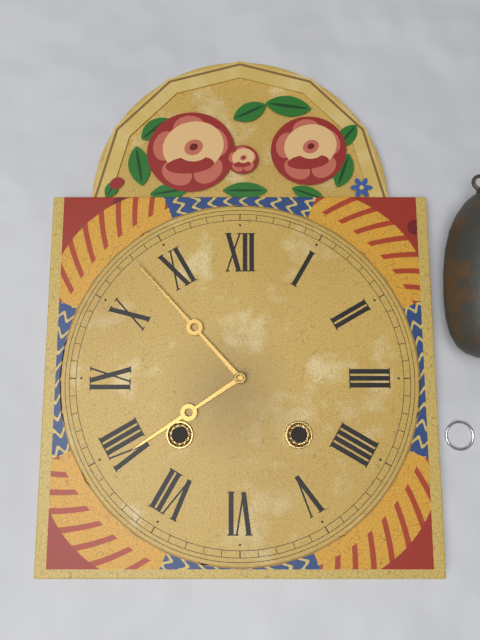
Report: h=7 m=53
